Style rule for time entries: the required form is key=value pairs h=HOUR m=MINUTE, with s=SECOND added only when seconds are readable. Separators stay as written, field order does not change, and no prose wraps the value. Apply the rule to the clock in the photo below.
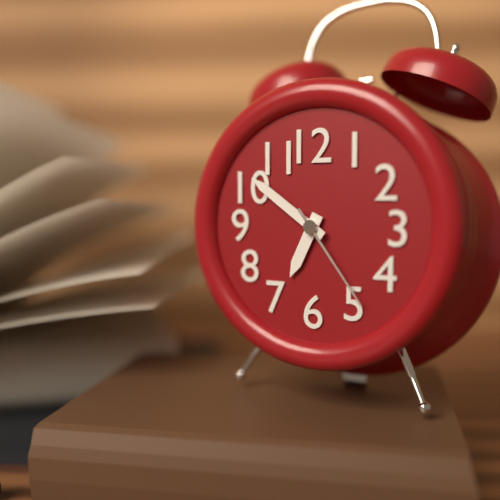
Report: h=6 m=51 s=24
